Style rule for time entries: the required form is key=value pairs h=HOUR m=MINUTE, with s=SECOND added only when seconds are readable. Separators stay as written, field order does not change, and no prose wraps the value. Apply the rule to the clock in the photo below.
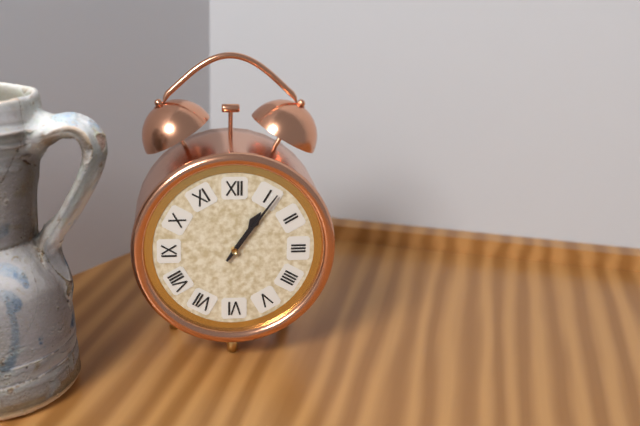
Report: h=1 m=6
